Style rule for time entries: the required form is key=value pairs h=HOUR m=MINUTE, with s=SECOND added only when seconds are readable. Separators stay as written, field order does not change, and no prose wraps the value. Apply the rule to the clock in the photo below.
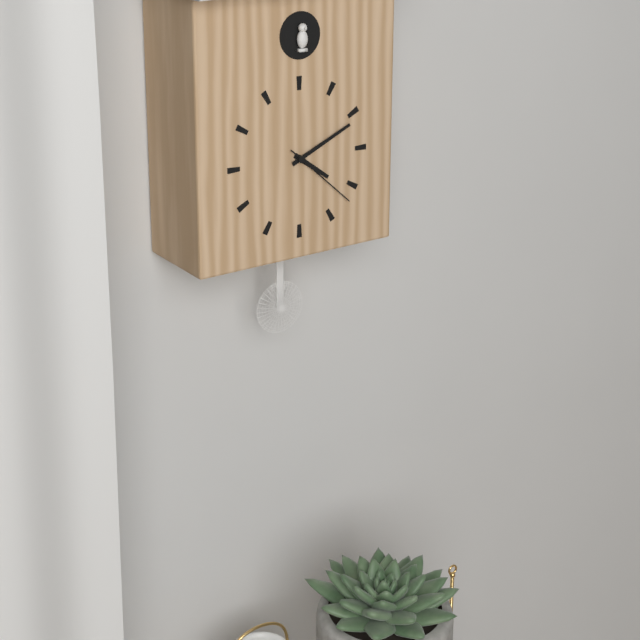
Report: h=4 m=11 s=22
